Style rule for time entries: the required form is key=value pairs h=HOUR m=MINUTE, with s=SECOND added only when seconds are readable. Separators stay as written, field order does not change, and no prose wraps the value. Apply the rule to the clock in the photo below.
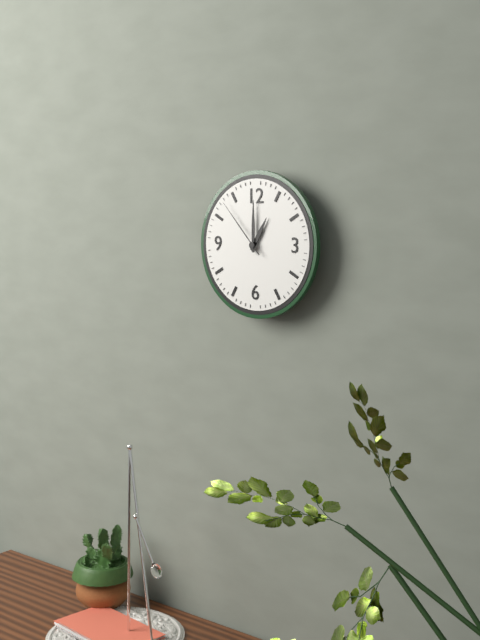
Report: h=1 m=0 s=53
